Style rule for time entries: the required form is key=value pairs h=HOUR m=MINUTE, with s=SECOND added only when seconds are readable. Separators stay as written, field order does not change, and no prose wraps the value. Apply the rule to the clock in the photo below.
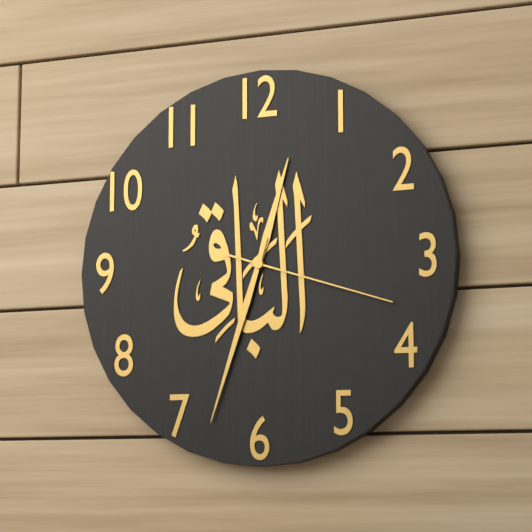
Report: h=12 m=33 s=18
